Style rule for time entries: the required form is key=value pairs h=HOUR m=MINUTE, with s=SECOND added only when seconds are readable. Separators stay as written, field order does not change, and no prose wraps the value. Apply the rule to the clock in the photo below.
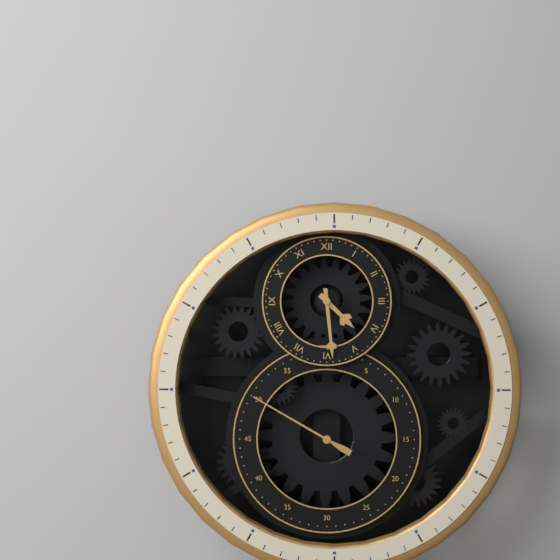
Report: h=4 m=29 s=50
